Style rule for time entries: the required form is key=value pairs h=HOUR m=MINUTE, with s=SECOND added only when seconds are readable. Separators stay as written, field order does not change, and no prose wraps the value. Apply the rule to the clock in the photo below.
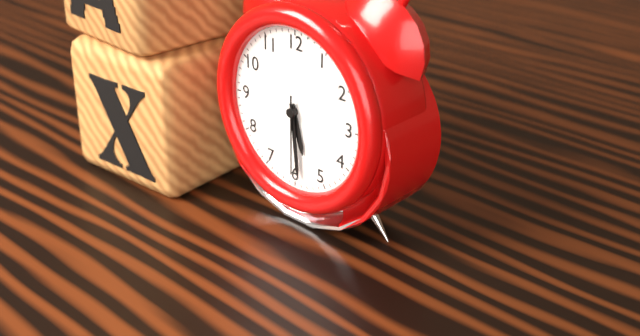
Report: h=5 m=29 s=30
